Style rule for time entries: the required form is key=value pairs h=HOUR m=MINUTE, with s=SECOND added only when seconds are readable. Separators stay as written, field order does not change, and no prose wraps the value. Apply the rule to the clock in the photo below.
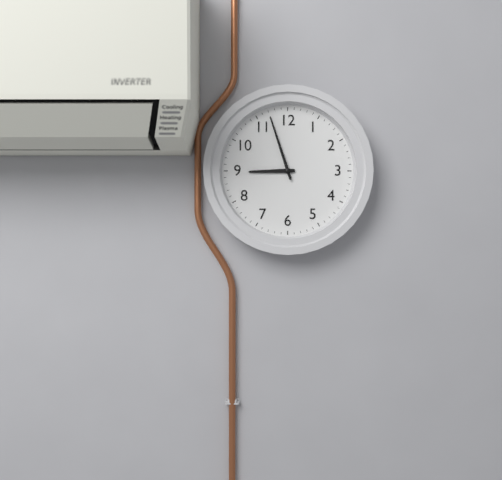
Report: h=8 m=57
